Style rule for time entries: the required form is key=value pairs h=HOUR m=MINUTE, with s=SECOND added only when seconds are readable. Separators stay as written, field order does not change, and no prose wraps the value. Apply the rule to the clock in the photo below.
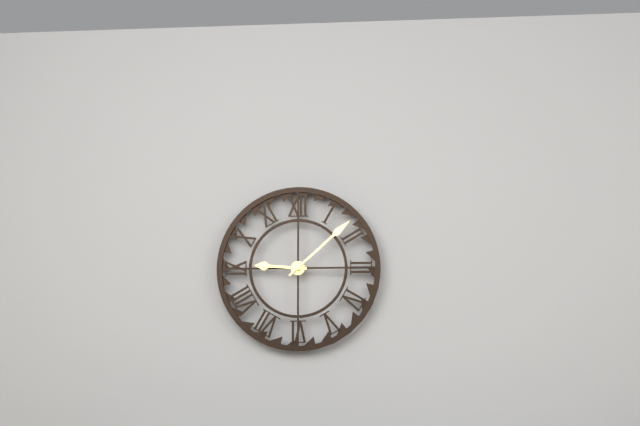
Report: h=9 m=8
